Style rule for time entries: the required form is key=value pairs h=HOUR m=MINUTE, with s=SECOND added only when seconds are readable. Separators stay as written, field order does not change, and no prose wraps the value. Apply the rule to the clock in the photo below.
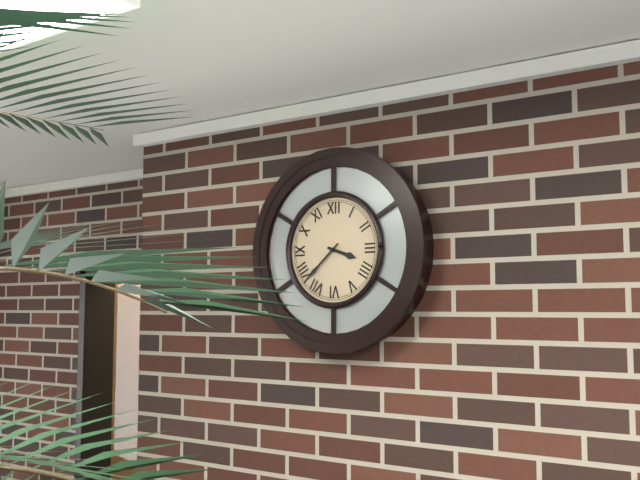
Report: h=3 m=38
